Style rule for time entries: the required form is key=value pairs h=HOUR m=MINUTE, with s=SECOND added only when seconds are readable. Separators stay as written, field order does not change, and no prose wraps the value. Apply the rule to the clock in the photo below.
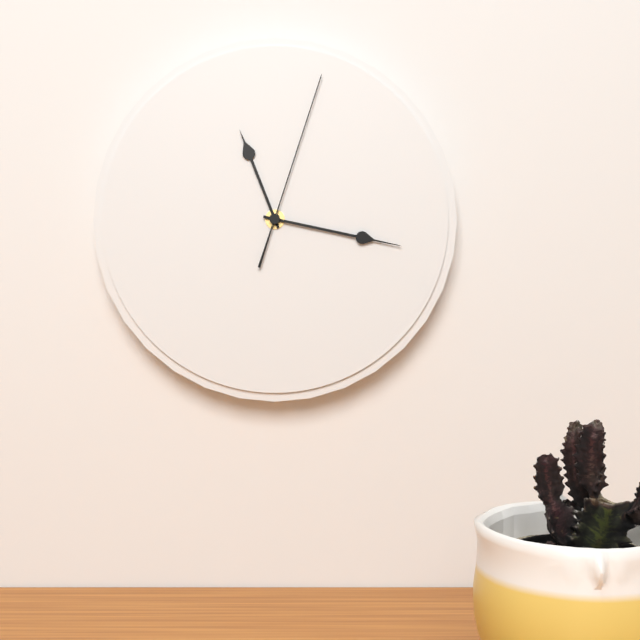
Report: h=11 m=17 s=3
